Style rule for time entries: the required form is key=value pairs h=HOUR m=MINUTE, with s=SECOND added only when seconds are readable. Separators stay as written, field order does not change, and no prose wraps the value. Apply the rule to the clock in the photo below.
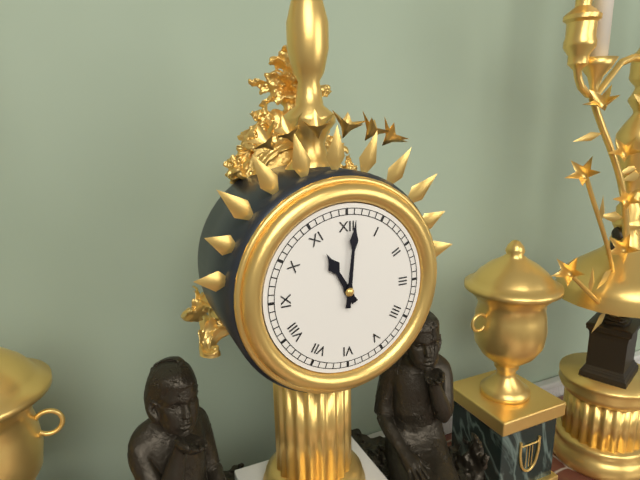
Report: h=11 m=1
